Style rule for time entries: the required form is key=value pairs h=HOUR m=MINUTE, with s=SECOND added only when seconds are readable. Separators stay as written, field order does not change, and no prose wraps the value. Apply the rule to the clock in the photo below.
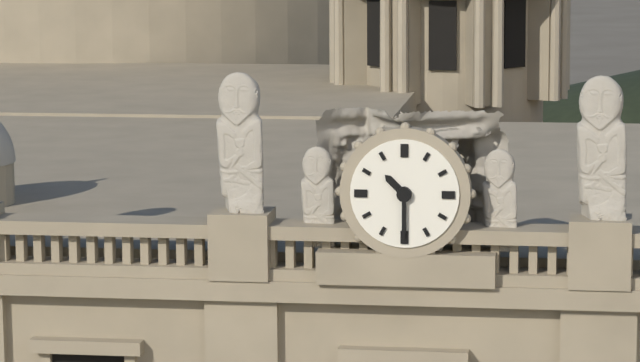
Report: h=10 m=30
